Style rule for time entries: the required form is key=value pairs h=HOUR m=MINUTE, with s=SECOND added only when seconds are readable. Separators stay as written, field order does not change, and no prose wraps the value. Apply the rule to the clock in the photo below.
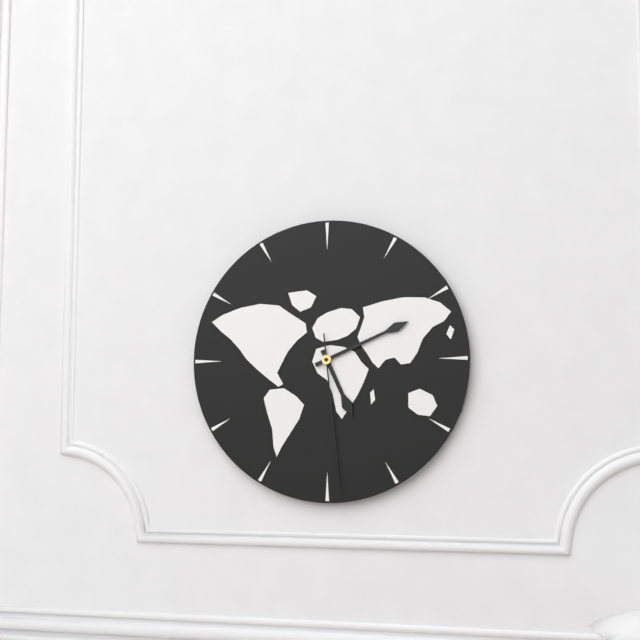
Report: h=5 m=11 s=29
